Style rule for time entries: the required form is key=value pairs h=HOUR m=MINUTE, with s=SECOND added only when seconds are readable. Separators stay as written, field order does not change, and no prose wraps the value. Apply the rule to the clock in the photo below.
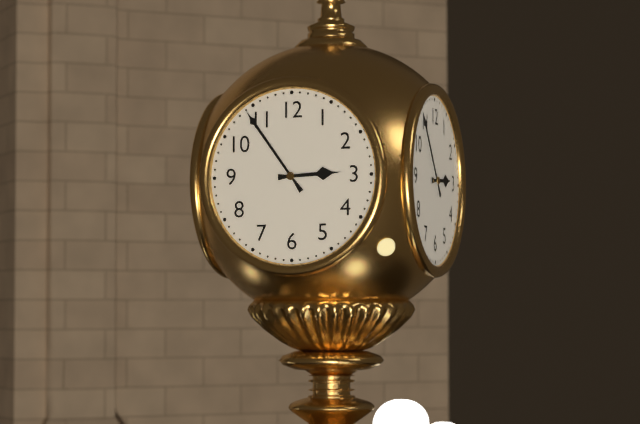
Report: h=2 m=54
